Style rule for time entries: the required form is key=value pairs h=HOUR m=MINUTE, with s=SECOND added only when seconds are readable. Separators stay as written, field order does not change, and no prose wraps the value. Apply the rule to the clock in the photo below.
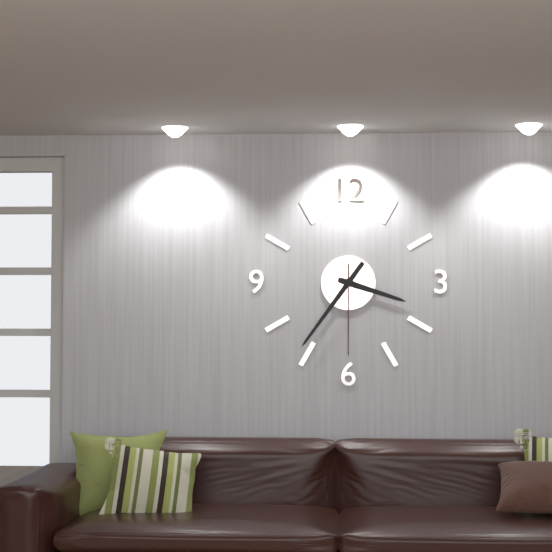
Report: h=3 m=36 s=30
